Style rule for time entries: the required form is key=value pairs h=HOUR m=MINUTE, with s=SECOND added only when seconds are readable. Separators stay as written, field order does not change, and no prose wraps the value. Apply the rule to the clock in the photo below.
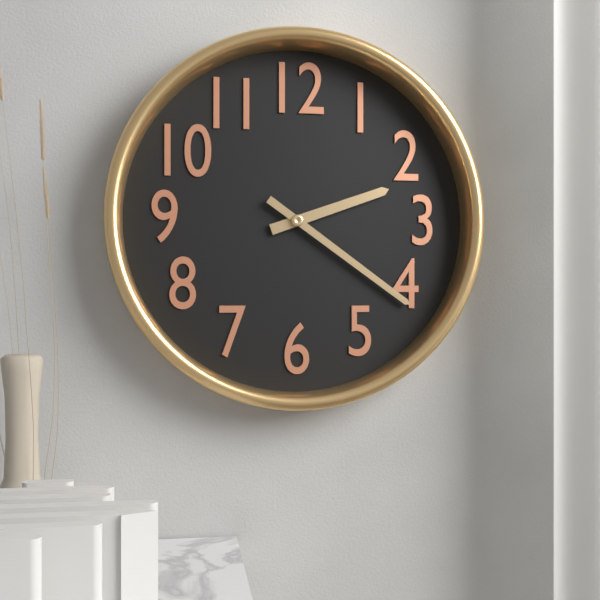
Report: h=2 m=21
